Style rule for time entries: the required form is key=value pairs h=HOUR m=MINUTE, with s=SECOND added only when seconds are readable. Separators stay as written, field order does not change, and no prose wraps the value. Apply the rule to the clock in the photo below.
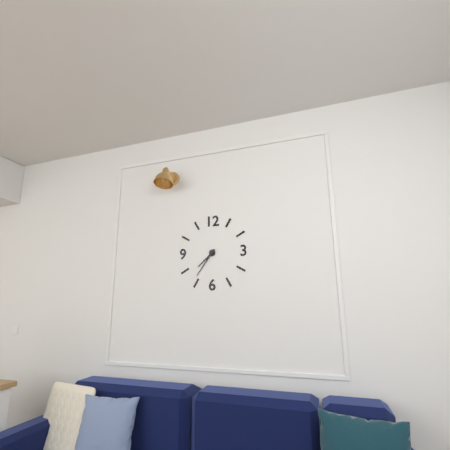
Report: h=7 m=36
